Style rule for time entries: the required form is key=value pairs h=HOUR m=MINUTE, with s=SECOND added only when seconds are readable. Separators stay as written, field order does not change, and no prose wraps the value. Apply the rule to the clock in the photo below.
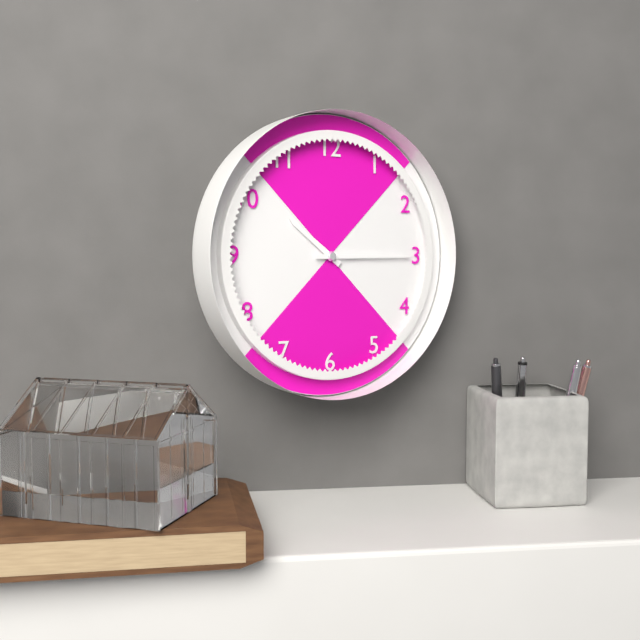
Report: h=10 m=15
